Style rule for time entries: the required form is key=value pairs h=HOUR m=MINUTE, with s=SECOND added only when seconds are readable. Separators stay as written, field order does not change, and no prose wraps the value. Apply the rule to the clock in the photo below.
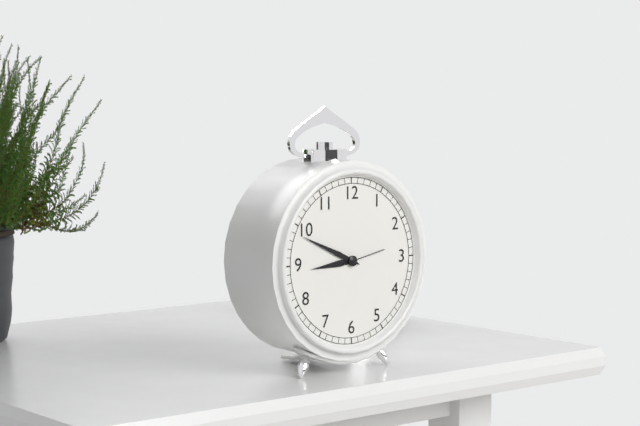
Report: h=8 m=49
